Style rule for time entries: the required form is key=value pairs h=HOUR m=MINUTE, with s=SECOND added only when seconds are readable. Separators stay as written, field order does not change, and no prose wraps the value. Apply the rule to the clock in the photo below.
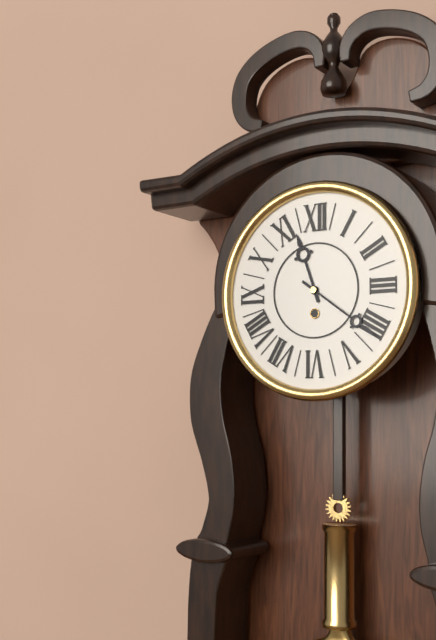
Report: h=11 m=21
